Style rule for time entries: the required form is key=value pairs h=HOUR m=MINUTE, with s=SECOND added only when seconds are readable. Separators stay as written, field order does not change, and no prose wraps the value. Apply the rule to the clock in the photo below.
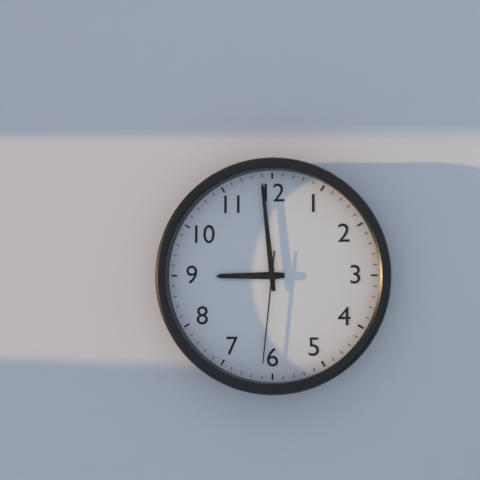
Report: h=8 m=59 s=31
